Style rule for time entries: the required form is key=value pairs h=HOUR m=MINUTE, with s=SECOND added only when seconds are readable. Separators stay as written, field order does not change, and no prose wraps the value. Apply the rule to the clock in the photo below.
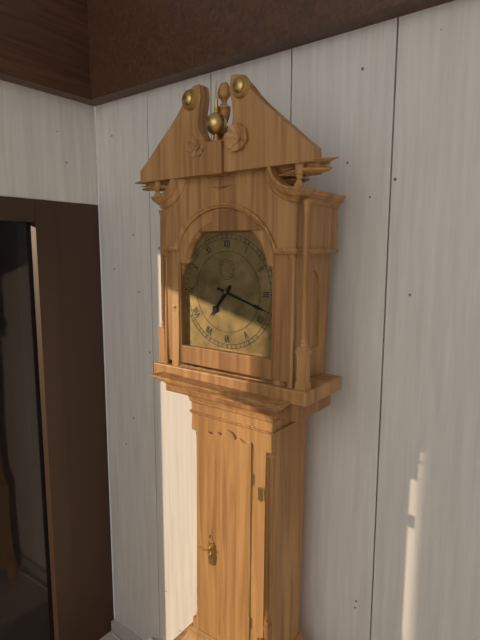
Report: h=7 m=18
